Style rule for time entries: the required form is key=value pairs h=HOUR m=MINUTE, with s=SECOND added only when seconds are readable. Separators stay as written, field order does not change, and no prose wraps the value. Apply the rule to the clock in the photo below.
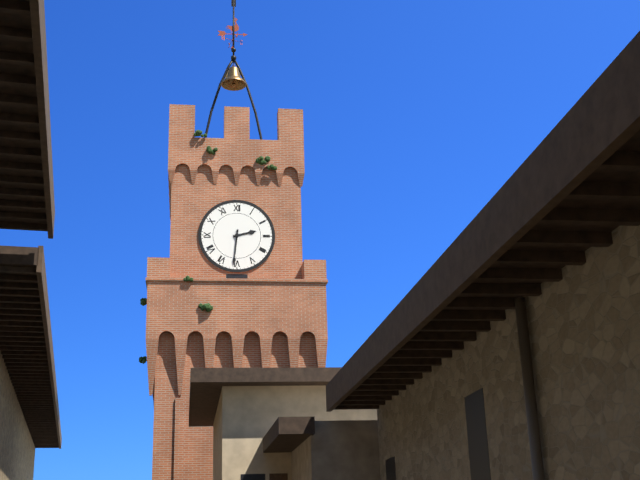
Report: h=2 m=31
